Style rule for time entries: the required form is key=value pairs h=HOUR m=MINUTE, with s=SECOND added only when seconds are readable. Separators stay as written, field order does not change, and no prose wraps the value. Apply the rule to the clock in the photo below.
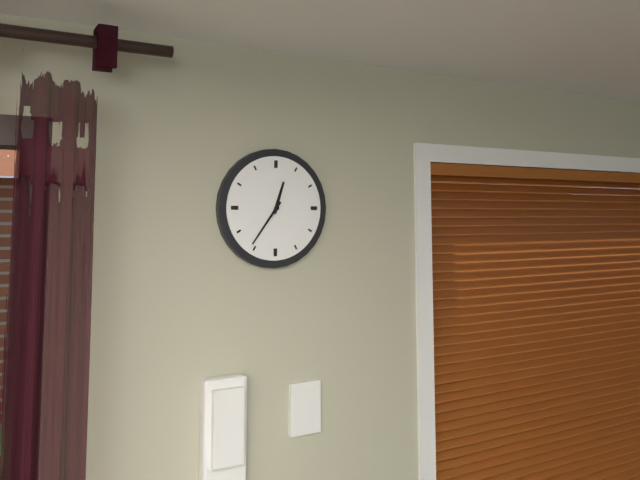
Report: h=12 m=36
